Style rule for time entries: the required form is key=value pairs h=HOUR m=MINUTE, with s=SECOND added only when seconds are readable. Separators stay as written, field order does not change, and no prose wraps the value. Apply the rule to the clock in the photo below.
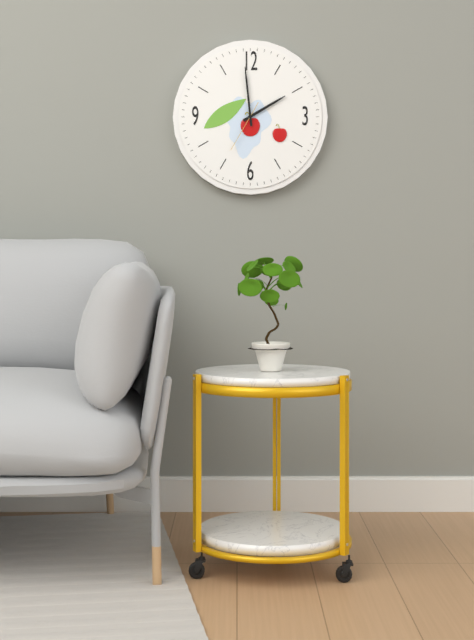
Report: h=1 m=59
